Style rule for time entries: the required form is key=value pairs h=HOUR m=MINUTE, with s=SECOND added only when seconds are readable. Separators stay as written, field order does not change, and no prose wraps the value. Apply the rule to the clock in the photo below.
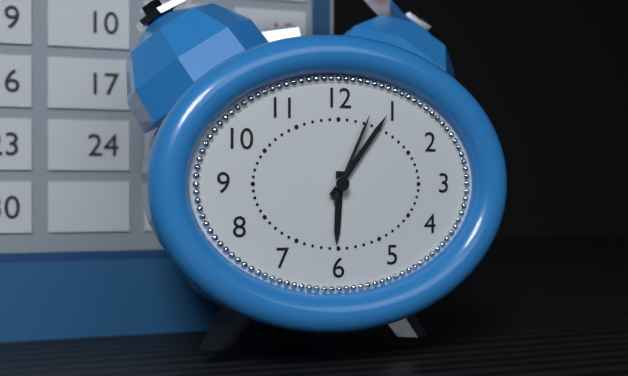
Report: h=6 m=6 s=4
